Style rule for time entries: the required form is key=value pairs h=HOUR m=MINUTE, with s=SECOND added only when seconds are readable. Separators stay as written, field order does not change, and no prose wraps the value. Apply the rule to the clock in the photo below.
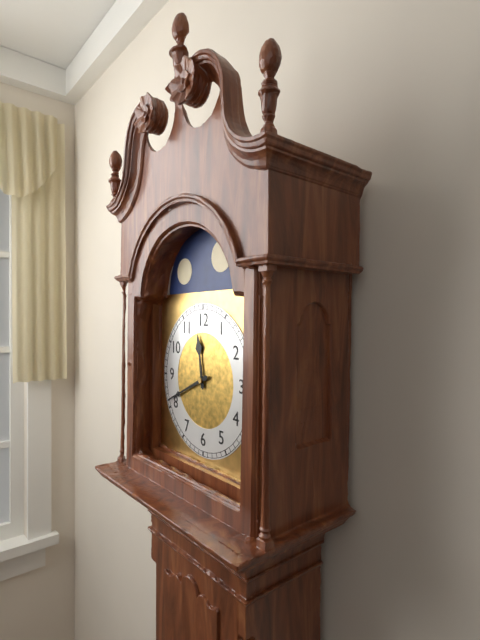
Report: h=11 m=41
